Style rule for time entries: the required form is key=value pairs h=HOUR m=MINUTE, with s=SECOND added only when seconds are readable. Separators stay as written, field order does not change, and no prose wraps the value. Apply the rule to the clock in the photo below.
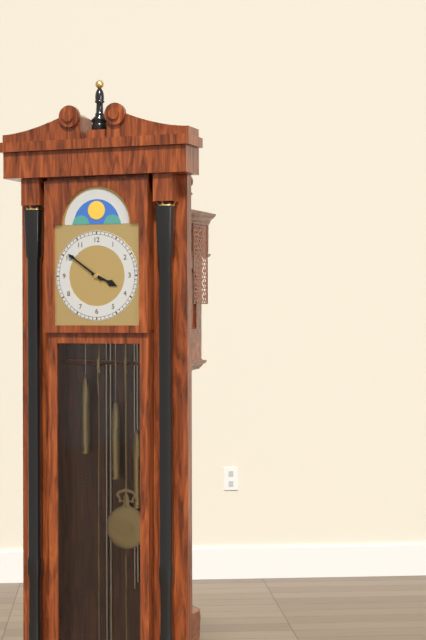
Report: h=3 m=51
